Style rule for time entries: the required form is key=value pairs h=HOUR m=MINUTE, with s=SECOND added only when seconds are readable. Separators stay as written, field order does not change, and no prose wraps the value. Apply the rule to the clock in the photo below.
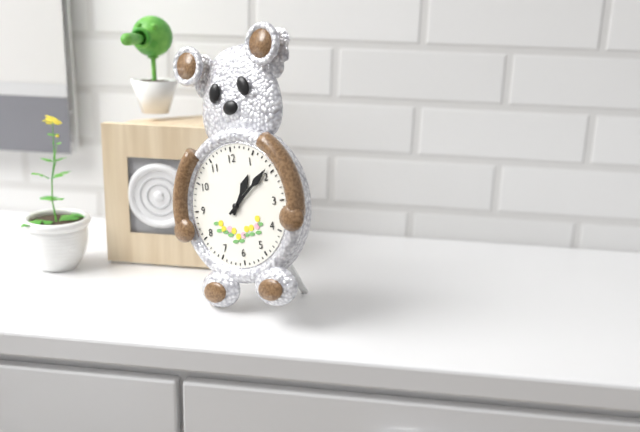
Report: h=1 m=9
